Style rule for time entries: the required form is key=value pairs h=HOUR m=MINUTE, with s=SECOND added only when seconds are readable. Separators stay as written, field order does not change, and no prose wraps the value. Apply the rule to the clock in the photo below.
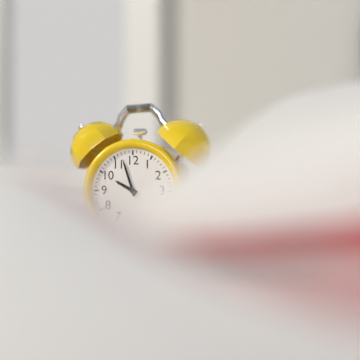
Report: h=9 m=57
